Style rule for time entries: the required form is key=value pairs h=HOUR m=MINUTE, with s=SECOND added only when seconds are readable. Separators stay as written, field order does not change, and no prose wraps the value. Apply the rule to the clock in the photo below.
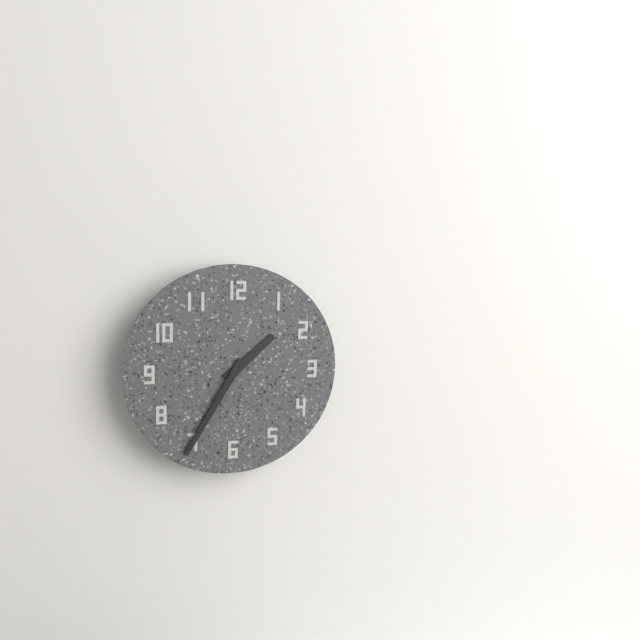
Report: h=1 m=35
